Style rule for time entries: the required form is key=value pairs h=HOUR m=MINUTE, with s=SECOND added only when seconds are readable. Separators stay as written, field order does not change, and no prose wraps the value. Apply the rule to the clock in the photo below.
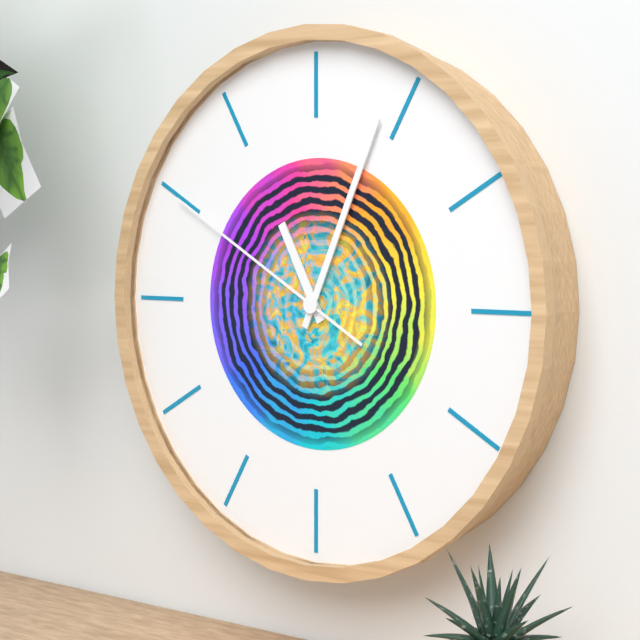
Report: h=11 m=4 s=50
